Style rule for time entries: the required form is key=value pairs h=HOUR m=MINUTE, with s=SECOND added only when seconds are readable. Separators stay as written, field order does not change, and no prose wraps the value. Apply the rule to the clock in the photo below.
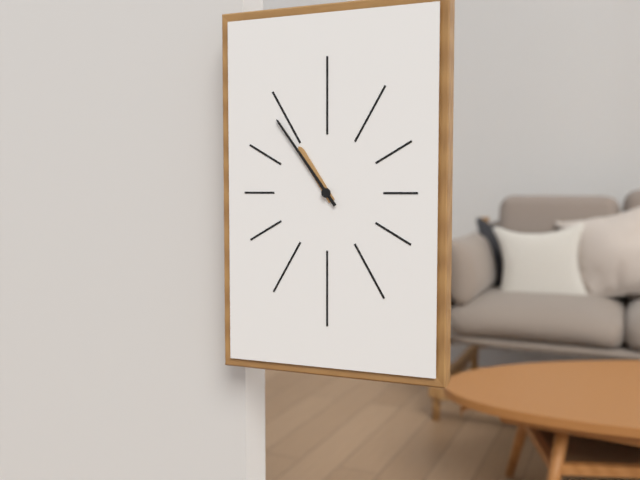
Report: h=10 m=54
